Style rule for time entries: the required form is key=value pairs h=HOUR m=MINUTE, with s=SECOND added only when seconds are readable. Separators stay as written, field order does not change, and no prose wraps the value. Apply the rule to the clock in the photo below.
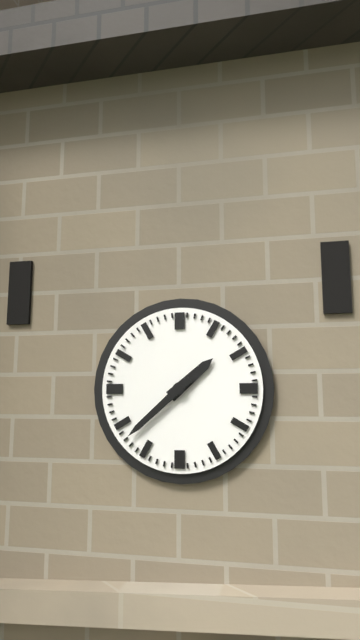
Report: h=1 m=38
